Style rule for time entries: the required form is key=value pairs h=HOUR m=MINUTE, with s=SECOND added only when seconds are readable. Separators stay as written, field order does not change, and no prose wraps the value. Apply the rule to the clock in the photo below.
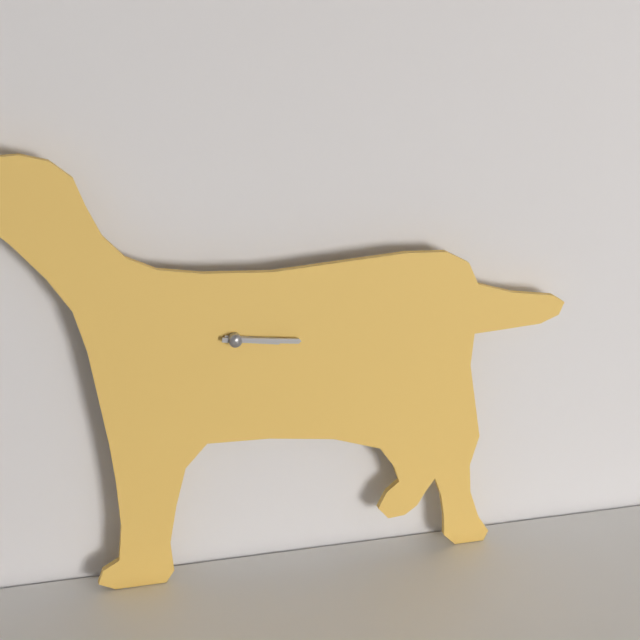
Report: h=3 m=16
